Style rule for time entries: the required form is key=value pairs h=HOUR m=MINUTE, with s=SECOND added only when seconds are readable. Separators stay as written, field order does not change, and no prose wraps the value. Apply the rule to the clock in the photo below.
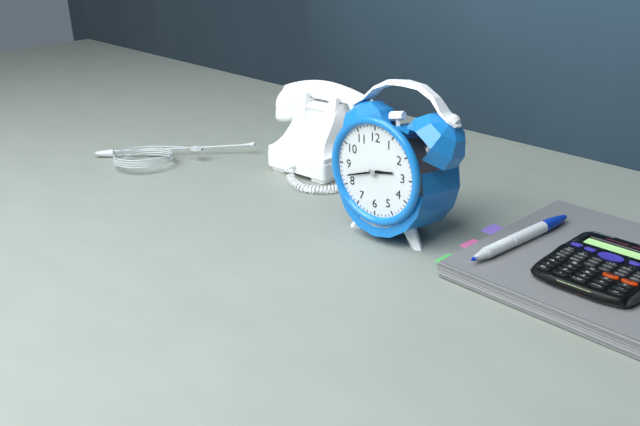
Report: h=2 m=42
